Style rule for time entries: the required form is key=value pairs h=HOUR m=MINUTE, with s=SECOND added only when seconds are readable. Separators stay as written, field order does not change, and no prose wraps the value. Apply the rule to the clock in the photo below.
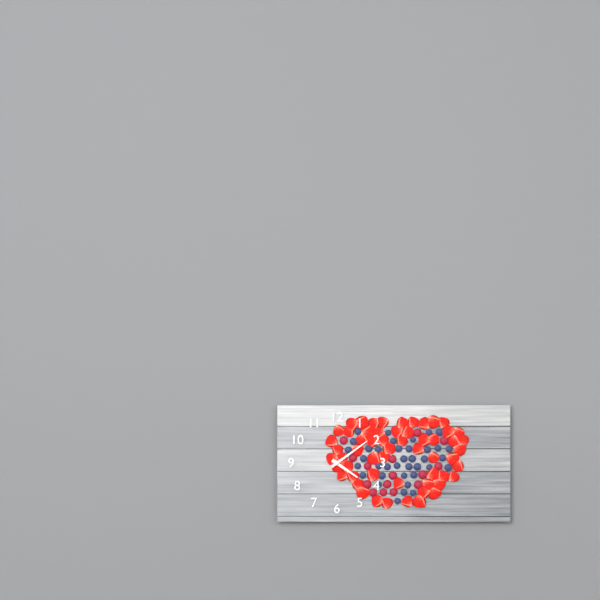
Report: h=4 m=9
